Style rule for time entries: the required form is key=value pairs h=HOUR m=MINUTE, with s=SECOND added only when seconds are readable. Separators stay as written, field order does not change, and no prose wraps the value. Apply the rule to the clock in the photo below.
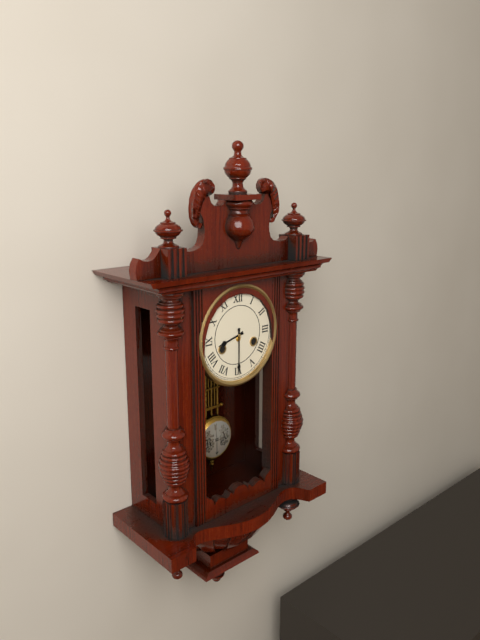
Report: h=8 m=30
